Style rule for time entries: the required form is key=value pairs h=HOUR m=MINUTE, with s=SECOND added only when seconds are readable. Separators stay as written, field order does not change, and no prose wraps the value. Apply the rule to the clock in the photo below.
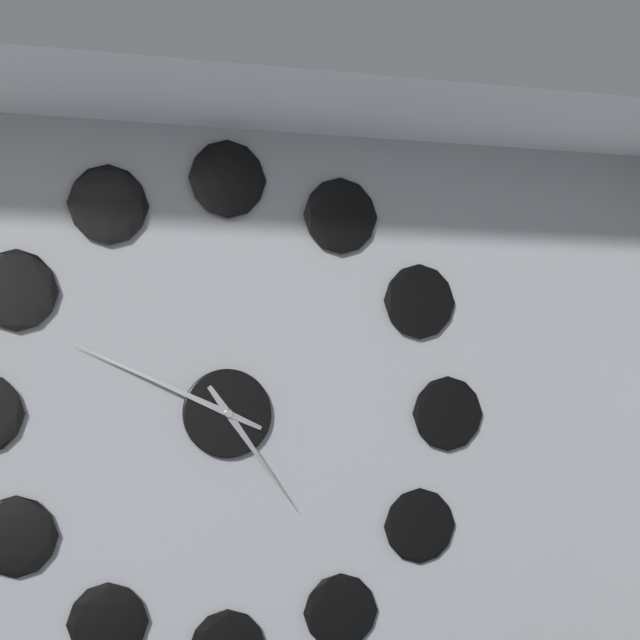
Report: h=4 m=49
